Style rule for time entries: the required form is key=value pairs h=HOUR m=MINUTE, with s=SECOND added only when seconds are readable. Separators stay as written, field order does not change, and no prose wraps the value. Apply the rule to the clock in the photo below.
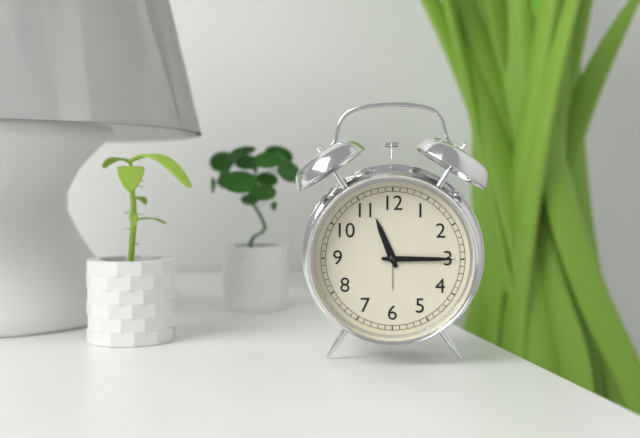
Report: h=11 m=15
